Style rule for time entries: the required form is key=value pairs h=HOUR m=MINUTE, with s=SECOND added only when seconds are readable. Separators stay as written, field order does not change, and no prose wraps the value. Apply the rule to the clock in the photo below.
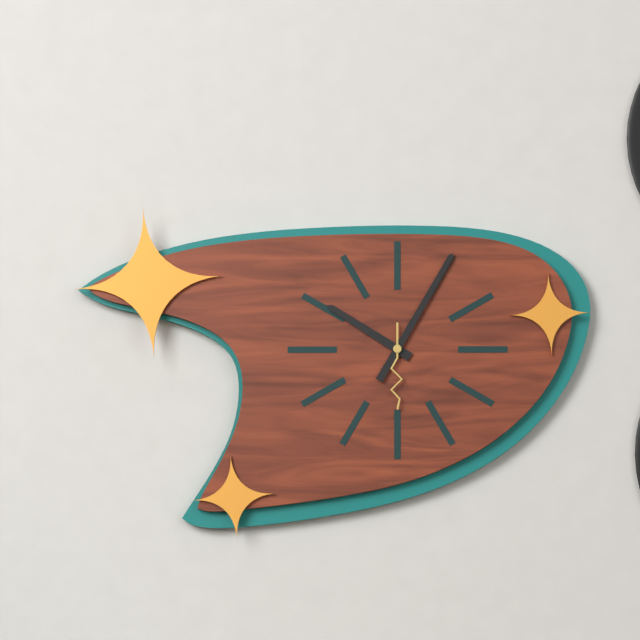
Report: h=10 m=5 s=30
